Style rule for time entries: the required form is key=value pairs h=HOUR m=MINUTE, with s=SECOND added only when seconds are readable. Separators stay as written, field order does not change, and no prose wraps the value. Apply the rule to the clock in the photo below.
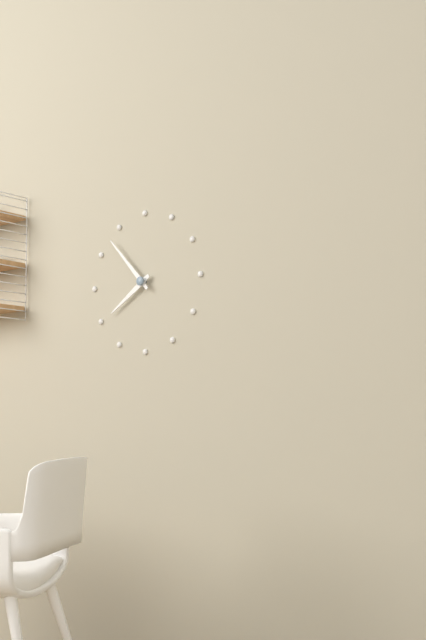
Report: h=7 m=53
